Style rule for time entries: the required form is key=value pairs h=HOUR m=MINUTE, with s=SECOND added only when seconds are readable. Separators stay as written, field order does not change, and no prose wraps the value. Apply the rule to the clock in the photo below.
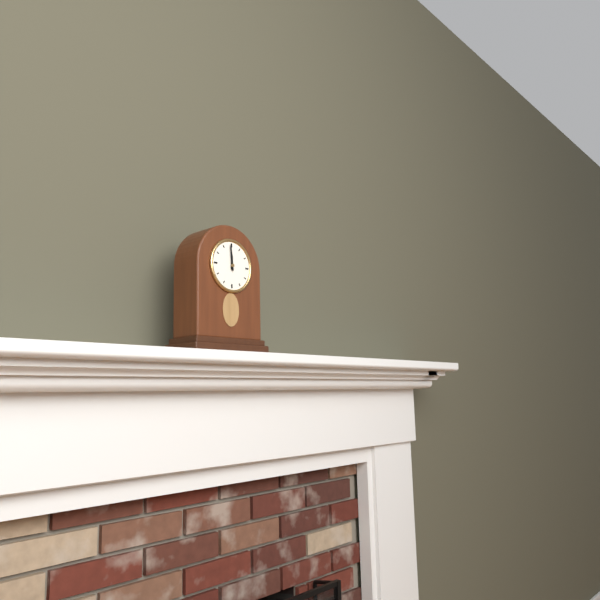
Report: h=11 m=59
